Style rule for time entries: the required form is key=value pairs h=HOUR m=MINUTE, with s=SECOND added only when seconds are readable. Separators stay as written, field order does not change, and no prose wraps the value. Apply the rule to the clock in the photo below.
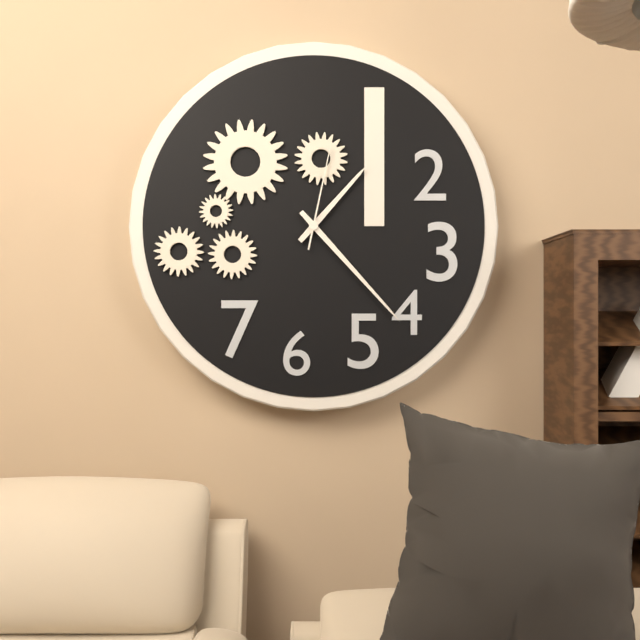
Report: h=1 m=23 s=2
